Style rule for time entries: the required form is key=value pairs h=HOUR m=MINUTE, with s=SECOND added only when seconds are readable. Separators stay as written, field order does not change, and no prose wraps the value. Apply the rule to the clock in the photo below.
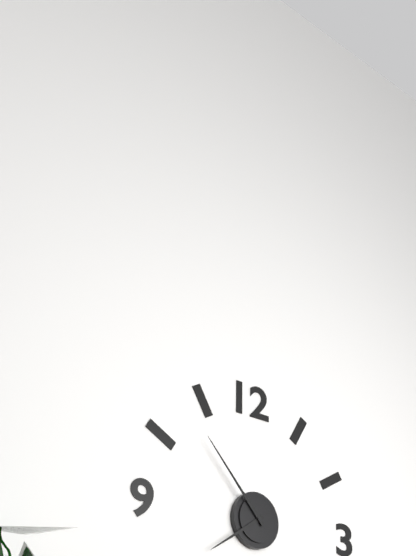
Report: h=7 m=53
